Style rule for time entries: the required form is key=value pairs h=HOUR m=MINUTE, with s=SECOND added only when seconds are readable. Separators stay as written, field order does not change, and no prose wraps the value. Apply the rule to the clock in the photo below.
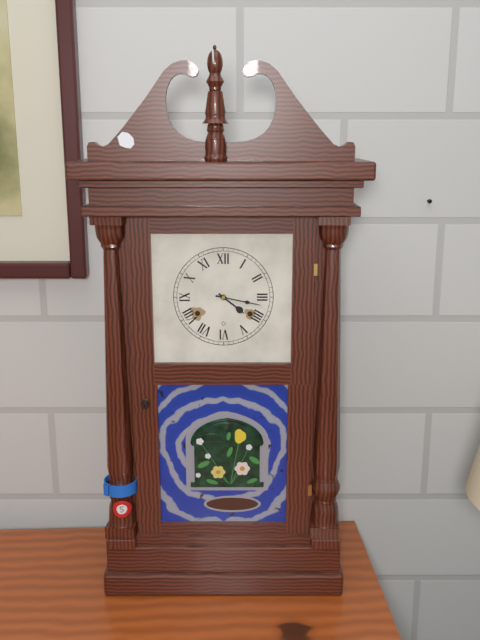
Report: h=4 m=17
